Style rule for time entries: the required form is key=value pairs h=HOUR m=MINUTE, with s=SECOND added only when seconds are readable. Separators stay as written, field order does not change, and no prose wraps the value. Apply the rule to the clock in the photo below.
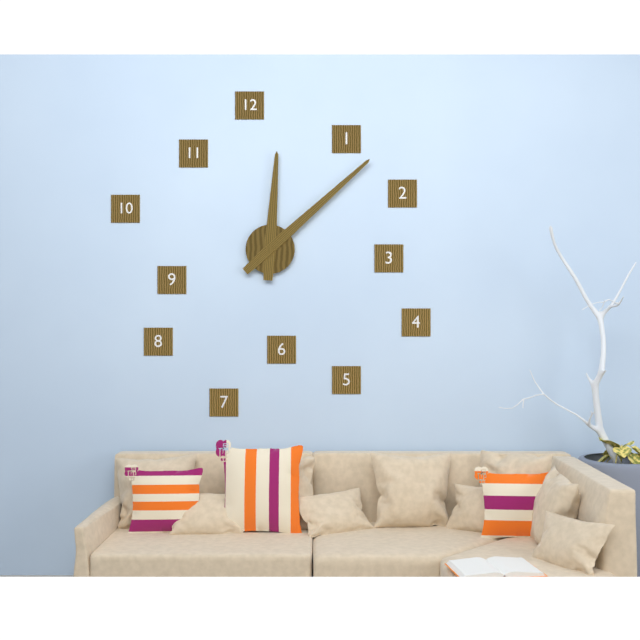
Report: h=12 m=8
